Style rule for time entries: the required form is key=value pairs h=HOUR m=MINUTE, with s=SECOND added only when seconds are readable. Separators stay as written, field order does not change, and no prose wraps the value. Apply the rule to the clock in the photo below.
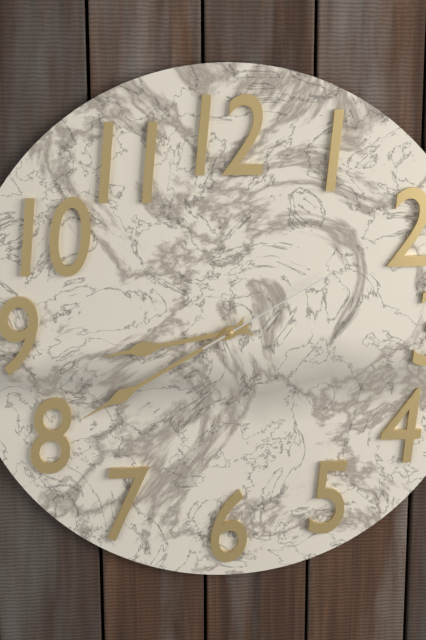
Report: h=8 m=40 s=10
